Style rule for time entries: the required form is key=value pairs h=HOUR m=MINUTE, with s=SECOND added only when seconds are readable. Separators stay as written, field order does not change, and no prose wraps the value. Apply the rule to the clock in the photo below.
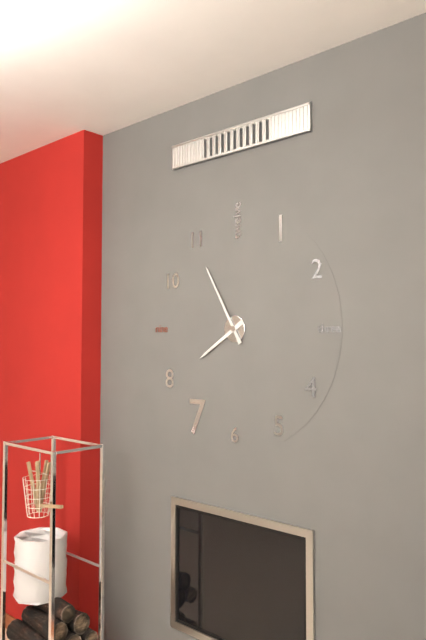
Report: h=7 m=55
